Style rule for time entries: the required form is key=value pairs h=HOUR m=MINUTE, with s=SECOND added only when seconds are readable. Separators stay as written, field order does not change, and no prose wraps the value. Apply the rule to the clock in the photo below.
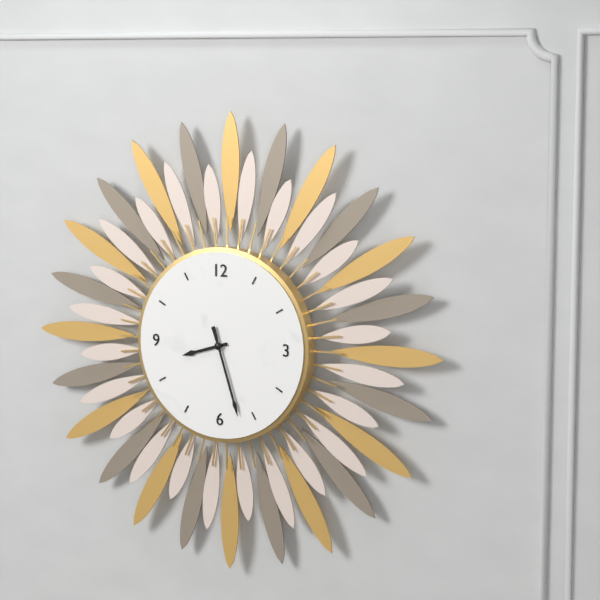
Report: h=8 m=27
